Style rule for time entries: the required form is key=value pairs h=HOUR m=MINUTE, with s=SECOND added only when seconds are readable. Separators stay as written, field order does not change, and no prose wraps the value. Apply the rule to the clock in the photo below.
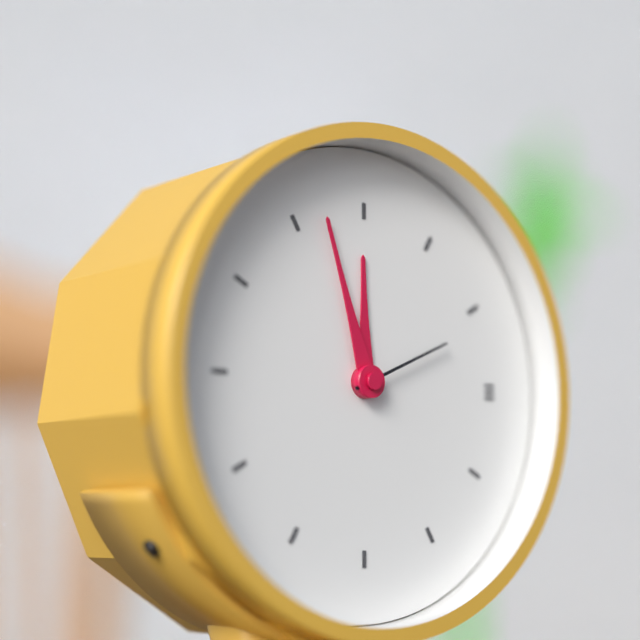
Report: h=11 m=57 s=11
